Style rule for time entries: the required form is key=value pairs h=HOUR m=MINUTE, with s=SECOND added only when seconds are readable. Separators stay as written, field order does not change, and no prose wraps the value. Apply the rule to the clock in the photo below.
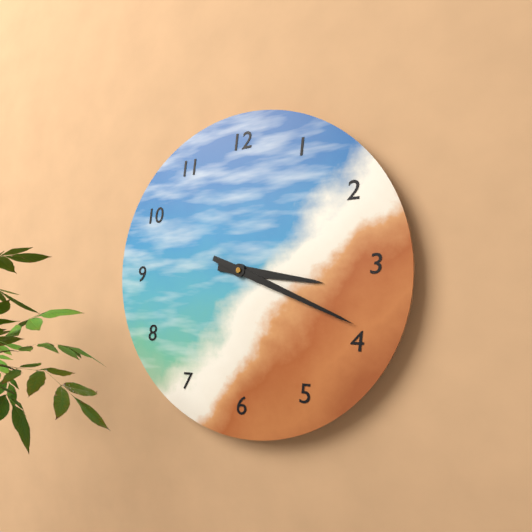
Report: h=3 m=19
